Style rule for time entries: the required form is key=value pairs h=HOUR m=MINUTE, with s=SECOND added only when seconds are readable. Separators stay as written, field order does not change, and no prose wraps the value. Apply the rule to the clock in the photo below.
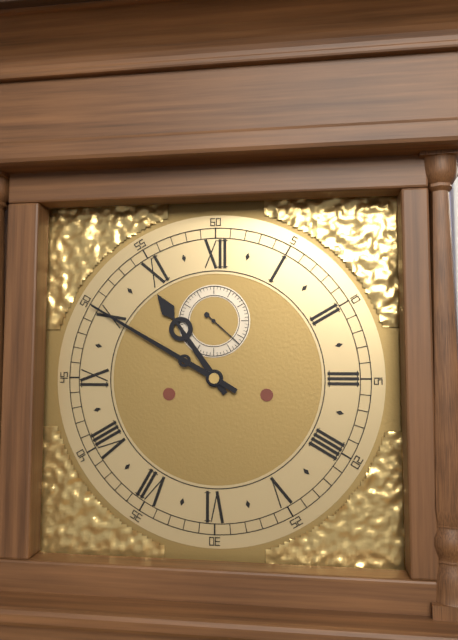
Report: h=10 m=50
